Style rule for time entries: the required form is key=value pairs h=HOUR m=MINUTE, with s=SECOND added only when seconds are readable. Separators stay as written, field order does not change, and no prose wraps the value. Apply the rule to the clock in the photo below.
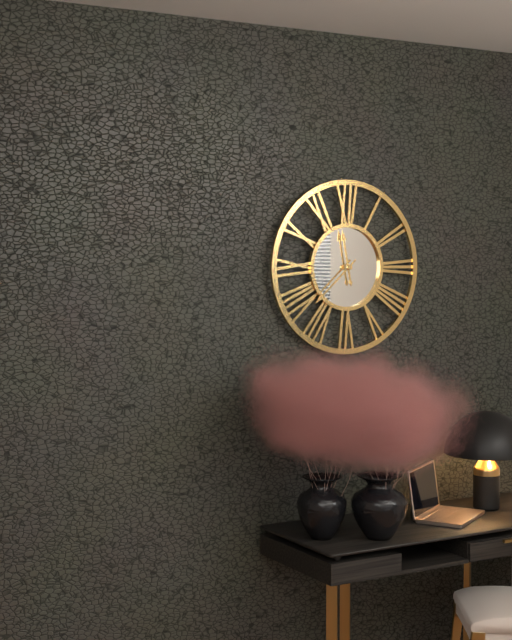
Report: h=11 m=38
